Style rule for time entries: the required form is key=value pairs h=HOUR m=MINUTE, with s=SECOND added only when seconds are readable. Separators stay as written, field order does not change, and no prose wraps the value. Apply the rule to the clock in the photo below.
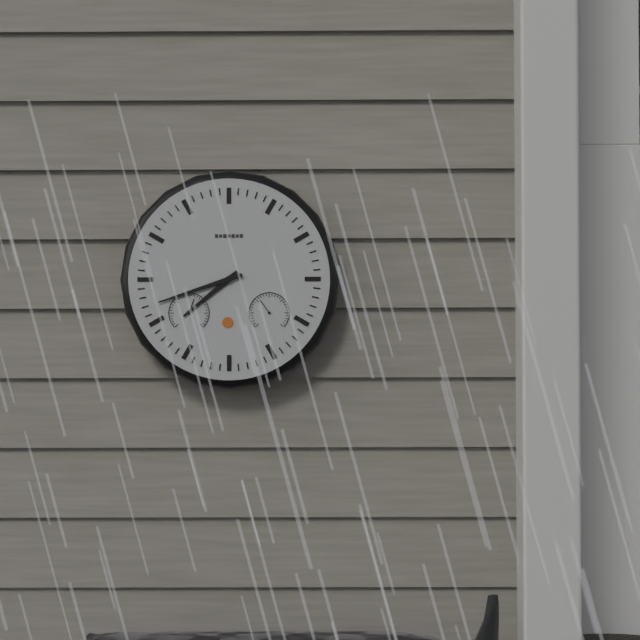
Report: h=7 m=42
